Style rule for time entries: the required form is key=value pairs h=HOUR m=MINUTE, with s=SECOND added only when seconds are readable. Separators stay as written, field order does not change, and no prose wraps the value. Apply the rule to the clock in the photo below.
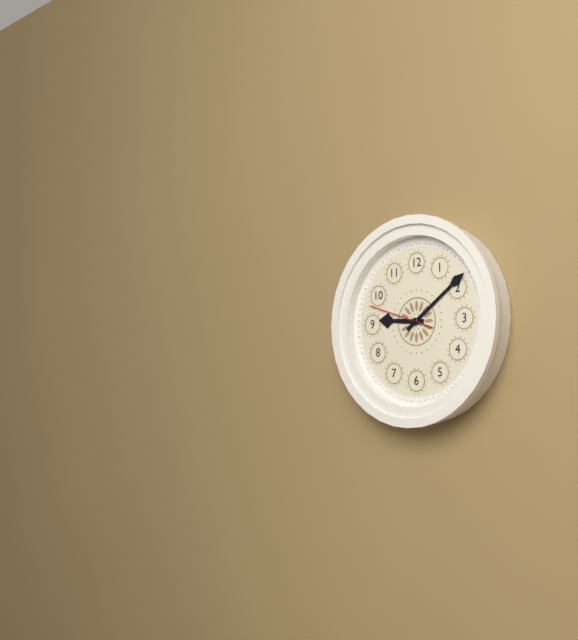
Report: h=9 m=9 s=48
